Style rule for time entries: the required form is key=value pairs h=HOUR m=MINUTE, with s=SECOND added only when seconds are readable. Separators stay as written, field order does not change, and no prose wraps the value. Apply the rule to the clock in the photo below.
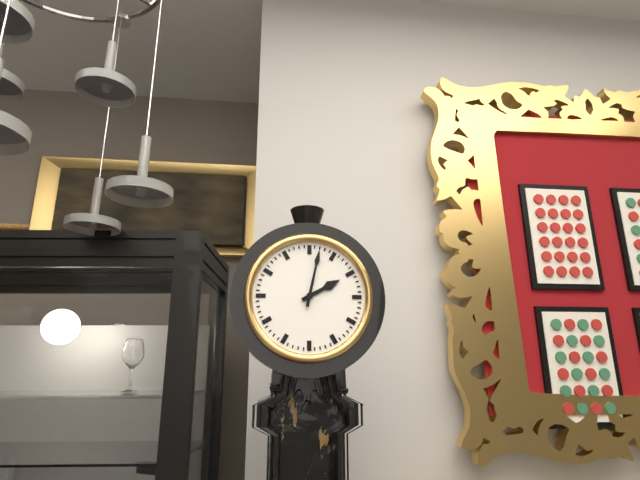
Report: h=2 m=2
